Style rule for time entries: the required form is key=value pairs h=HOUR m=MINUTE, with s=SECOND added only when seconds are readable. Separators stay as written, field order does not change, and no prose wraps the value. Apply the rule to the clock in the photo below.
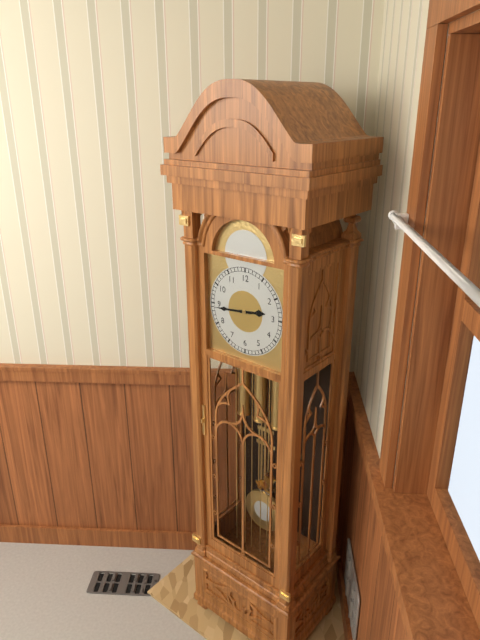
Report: h=2 m=44
